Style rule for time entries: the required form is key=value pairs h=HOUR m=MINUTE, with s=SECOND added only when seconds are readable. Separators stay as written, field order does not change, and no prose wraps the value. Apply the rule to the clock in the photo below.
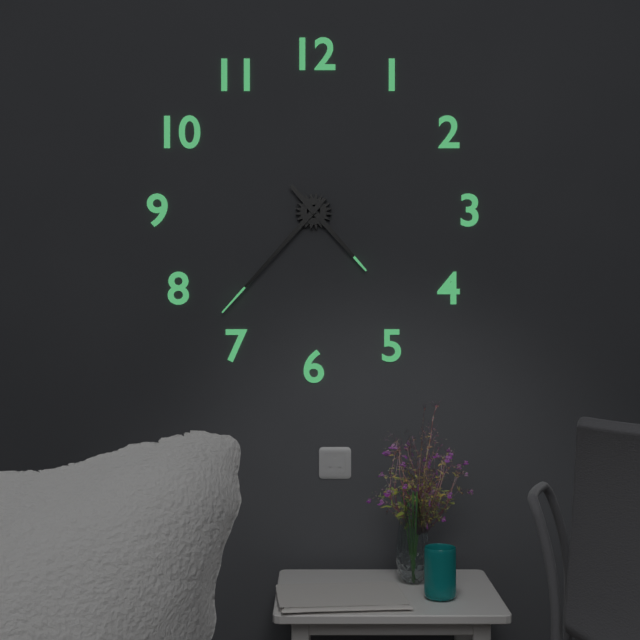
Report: h=4 m=37
